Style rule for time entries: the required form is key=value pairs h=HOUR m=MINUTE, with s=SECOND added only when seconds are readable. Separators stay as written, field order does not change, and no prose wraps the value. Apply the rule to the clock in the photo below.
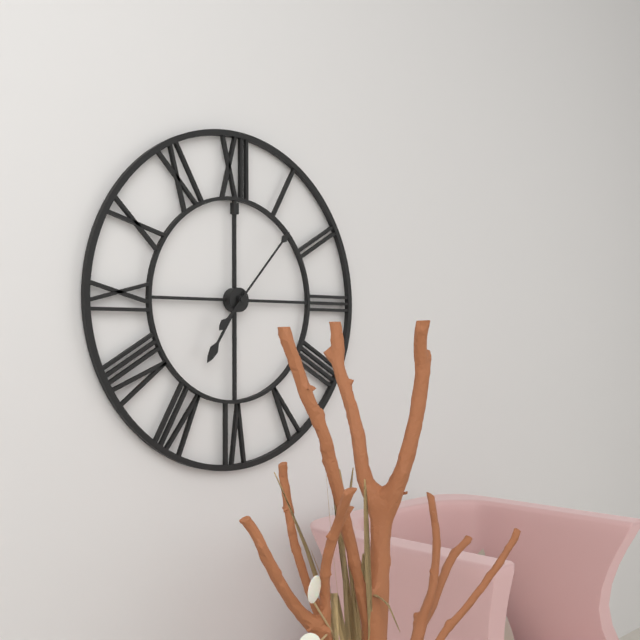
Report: h=7 m=7
